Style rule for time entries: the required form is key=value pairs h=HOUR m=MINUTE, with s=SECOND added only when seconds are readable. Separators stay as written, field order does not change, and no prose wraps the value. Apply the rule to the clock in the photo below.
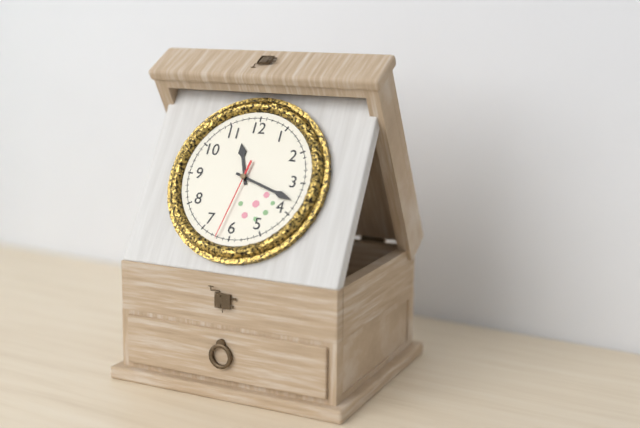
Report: h=11 m=18 s=32
